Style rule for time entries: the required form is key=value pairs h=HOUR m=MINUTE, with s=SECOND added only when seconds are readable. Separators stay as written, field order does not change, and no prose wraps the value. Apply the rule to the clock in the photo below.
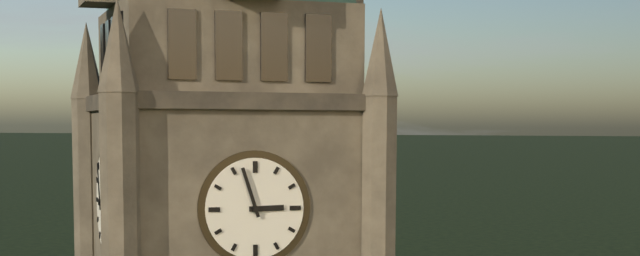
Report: h=2 m=57
